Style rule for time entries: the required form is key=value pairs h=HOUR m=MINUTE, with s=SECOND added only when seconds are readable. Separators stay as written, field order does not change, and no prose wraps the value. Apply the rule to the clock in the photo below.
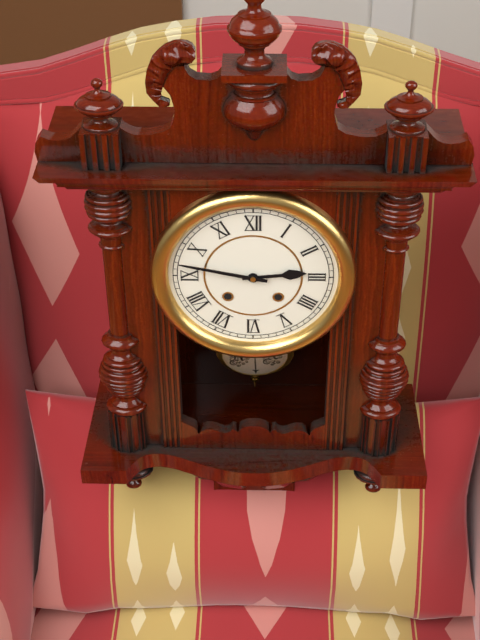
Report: h=2 m=47
